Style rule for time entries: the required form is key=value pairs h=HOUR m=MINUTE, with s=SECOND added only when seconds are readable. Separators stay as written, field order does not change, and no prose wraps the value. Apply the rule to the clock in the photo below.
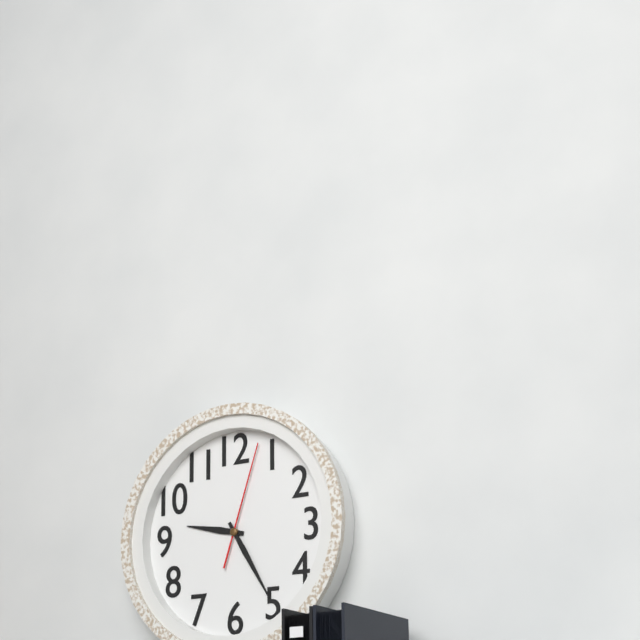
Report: h=9 m=25 s=3
